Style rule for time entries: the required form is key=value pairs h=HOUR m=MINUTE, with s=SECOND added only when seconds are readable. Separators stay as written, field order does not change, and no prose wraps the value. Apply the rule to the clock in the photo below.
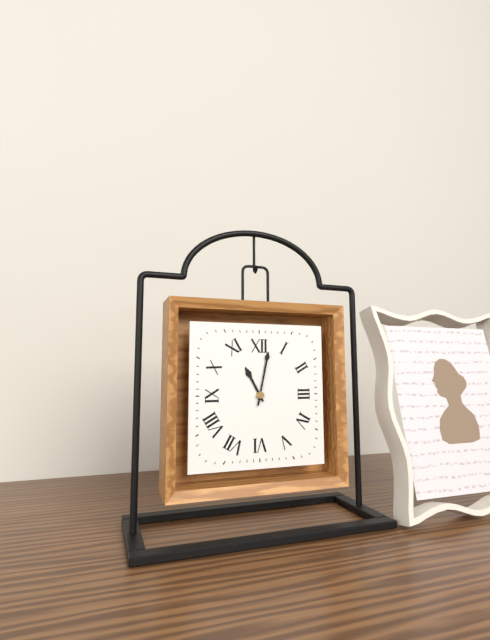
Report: h=11 m=2
